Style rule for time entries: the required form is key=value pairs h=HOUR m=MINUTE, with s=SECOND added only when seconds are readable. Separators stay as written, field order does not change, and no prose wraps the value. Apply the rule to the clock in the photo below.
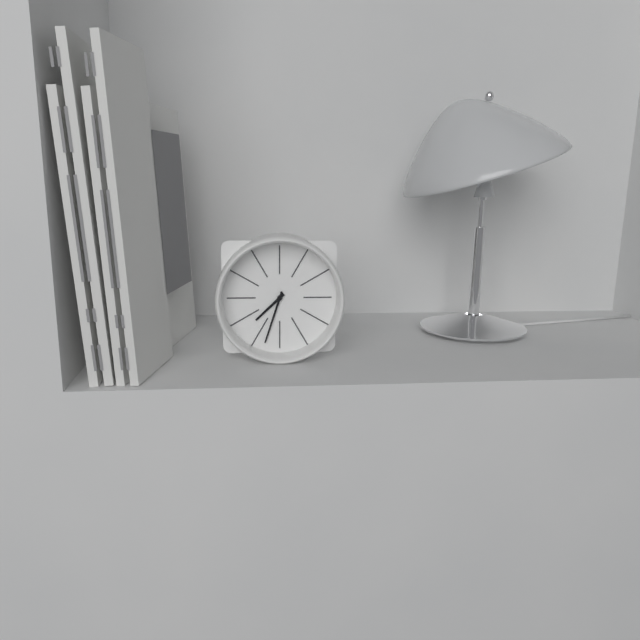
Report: h=7 m=33
